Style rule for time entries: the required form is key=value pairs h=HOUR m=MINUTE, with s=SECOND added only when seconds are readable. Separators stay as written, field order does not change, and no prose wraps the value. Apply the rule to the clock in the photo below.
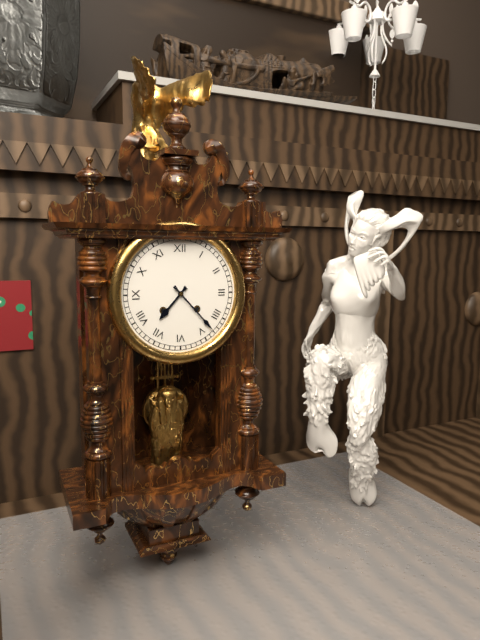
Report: h=7 m=23
